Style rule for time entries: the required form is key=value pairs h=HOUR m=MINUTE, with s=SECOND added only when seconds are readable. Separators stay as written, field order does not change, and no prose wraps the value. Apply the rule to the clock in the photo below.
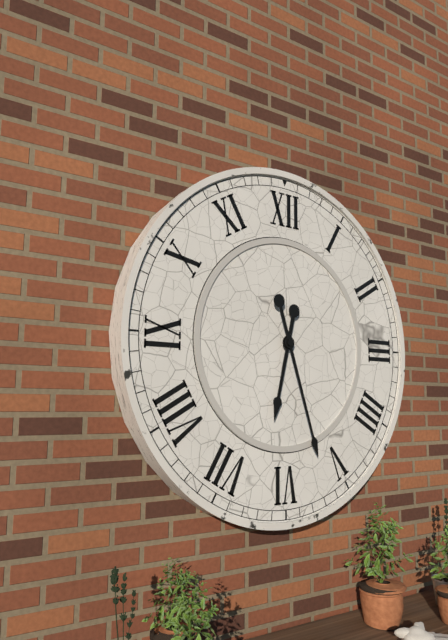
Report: h=6 m=27
